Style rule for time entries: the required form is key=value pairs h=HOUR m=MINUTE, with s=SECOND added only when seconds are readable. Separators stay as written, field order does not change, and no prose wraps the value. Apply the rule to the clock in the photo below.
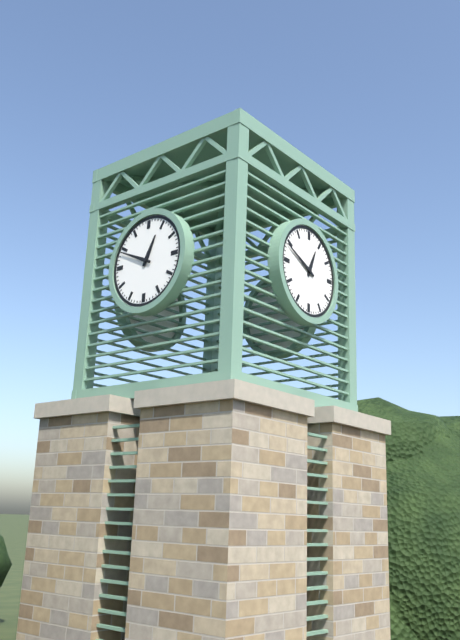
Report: h=12 m=49
